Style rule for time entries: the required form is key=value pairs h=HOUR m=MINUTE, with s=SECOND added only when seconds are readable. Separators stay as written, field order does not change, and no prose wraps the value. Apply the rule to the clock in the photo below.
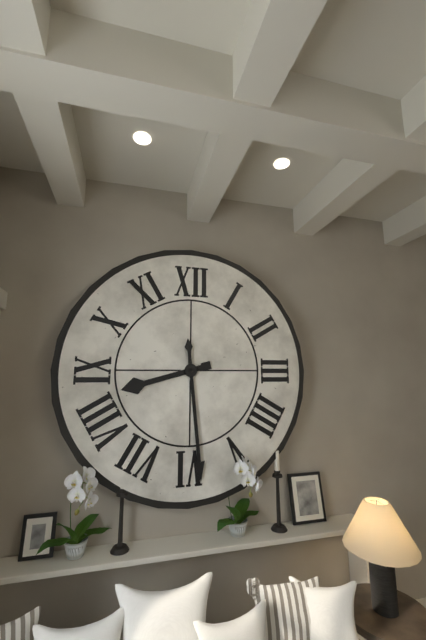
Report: h=8 m=29
